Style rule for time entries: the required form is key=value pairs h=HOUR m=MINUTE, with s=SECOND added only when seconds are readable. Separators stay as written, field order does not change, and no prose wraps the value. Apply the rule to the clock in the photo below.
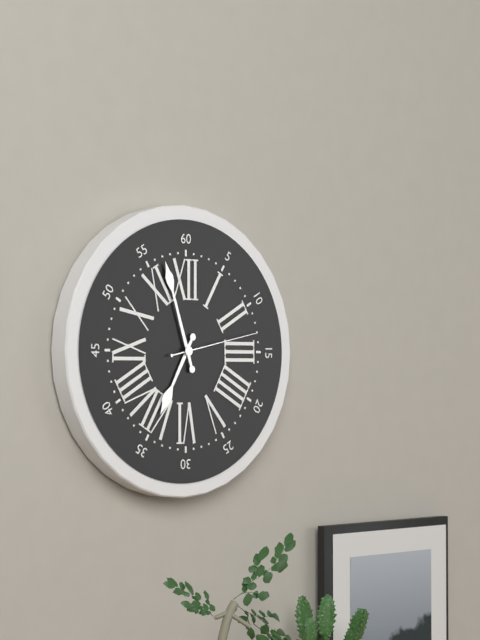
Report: h=6 m=57 s=13
